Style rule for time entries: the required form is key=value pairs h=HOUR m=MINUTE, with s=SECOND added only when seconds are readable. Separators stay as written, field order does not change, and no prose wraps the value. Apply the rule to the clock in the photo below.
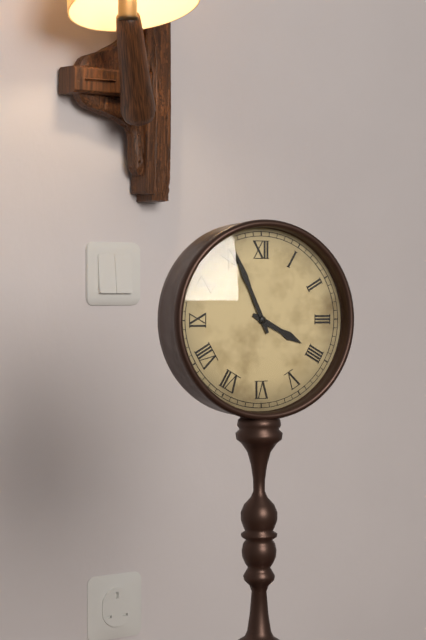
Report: h=3 m=56
